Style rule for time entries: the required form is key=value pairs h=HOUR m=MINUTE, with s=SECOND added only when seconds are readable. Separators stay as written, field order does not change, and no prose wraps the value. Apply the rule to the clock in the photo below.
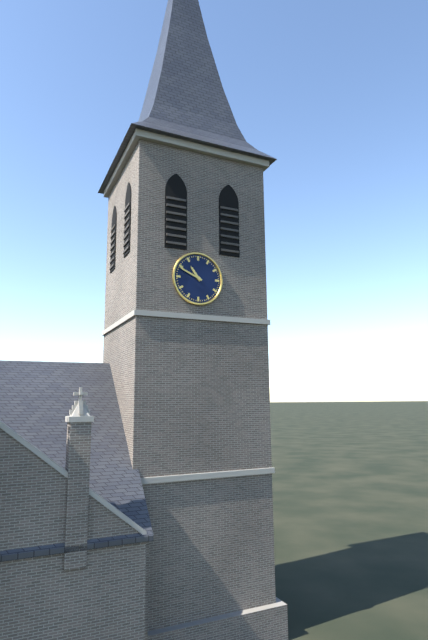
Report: h=10 m=49
